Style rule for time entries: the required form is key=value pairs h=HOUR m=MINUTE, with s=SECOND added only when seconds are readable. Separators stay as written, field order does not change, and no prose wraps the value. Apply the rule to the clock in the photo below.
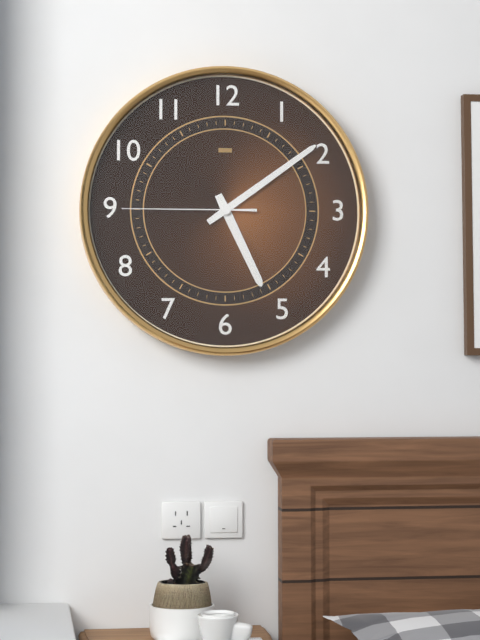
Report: h=5 m=9 s=45
